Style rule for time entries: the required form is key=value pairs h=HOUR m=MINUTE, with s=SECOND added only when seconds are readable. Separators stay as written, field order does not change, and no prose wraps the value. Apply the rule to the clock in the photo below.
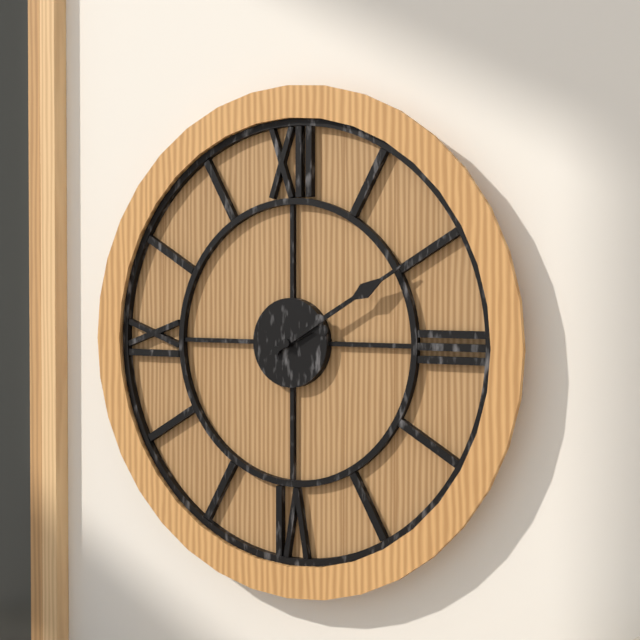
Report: h=2 m=10
